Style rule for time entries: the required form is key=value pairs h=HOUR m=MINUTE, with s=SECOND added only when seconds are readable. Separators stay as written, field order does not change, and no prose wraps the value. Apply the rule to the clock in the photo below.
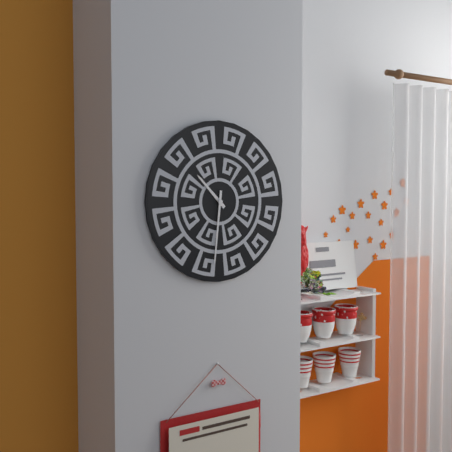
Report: h=10 m=31
